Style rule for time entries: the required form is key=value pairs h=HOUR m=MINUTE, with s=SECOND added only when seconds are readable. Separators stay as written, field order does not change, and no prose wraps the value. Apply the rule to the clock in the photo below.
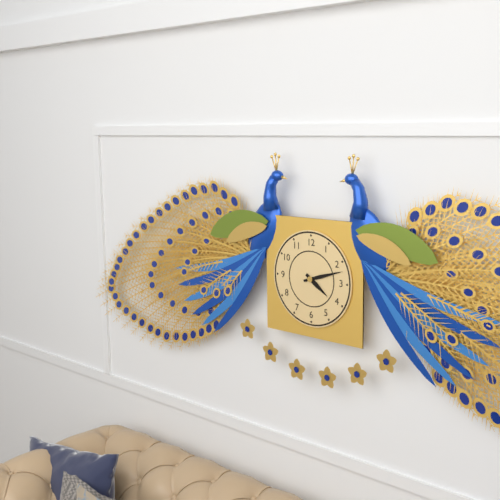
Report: h=4 m=12
